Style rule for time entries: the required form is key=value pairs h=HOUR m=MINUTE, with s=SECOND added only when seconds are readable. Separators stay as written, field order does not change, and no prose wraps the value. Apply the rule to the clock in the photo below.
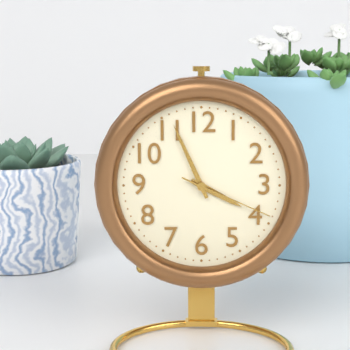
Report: h=3 m=56 s=19
